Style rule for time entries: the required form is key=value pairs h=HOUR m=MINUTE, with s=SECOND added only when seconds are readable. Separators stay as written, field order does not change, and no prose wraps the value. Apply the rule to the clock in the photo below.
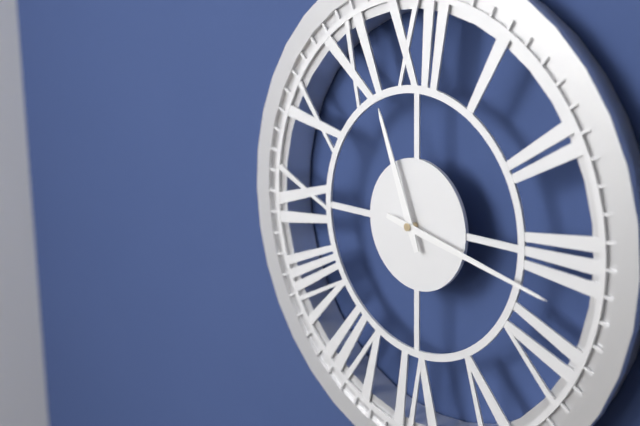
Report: h=11 m=17
